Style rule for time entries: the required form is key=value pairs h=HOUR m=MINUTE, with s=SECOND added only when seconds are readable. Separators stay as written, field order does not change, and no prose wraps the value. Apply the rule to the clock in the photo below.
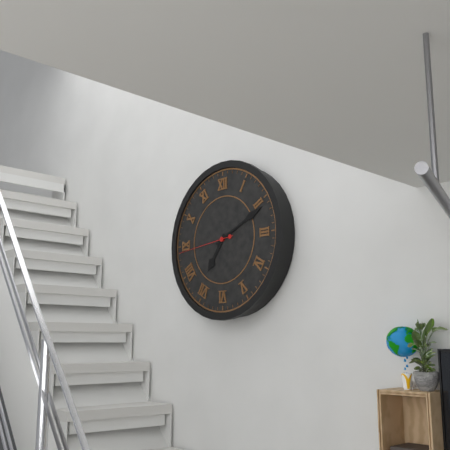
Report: h=7 m=11 s=44
